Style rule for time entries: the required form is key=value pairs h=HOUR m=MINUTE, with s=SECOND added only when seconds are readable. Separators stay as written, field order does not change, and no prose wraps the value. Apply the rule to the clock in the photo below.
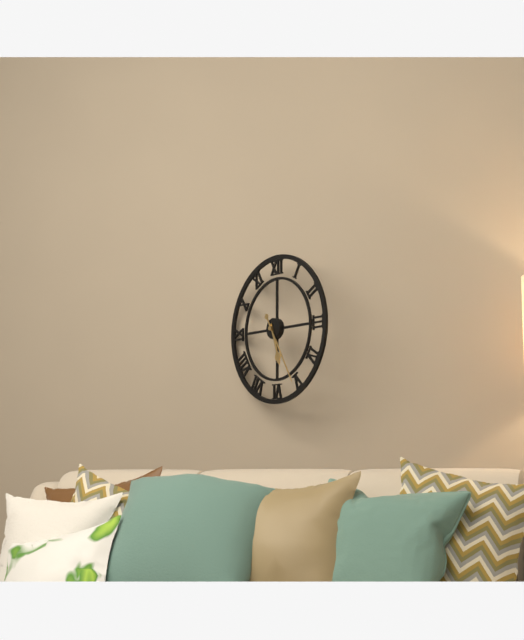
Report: h=5 m=25
